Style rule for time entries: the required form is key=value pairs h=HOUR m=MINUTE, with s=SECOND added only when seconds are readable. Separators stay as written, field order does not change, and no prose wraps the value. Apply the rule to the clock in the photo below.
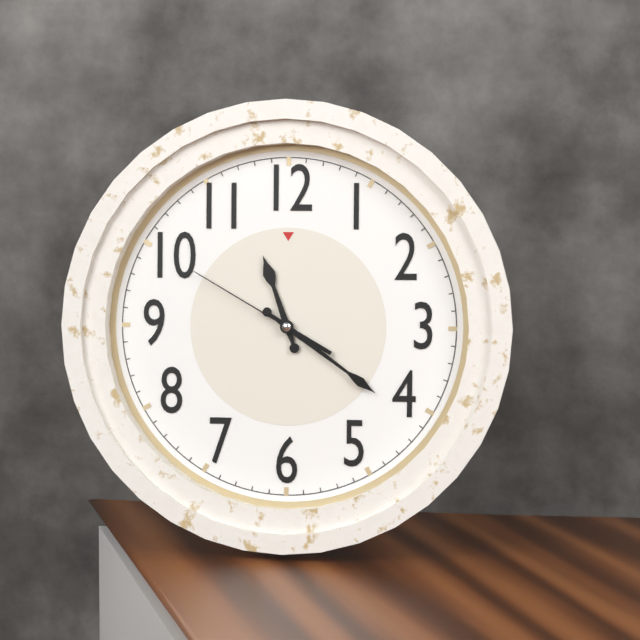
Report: h=11 m=21 s=50
